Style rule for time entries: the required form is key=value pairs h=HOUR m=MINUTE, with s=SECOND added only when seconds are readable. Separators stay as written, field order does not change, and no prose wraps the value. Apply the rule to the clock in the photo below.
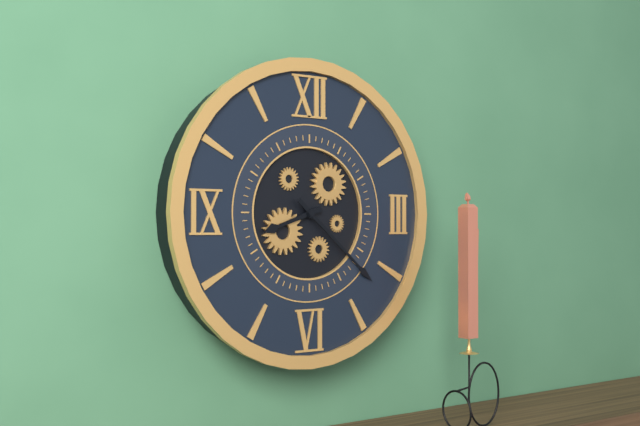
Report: h=8 m=22
